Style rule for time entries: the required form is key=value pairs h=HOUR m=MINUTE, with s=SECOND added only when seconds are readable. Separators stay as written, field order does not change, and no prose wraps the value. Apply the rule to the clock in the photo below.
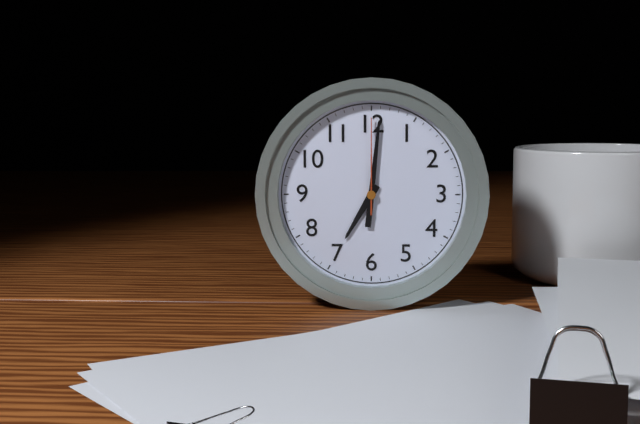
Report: h=7 m=1 s=0
